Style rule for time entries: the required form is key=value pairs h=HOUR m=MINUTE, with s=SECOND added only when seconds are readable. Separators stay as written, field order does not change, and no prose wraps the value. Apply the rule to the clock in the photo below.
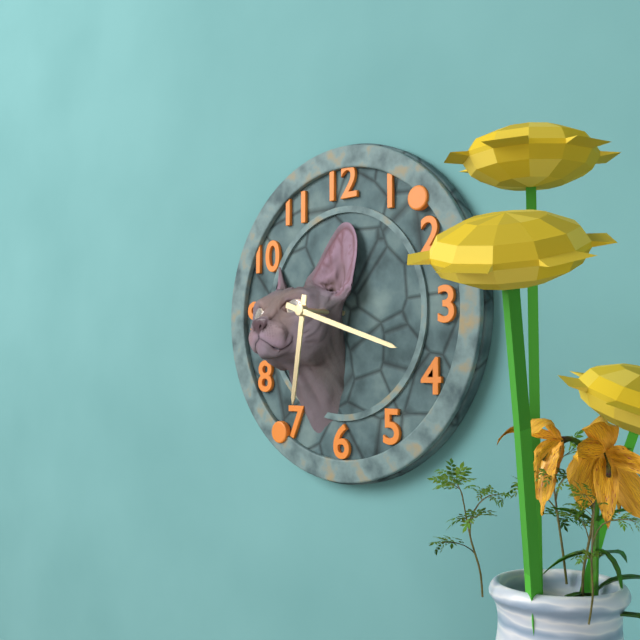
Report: h=6 m=18
